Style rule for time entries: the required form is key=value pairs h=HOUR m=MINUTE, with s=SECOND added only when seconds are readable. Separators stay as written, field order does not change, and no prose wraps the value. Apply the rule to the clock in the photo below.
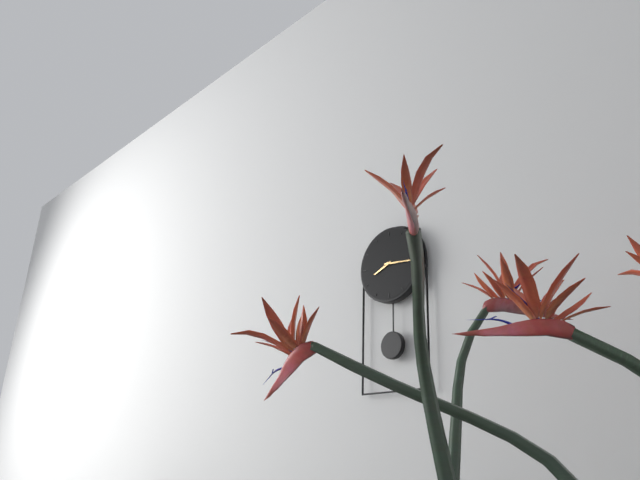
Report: h=8 m=16
